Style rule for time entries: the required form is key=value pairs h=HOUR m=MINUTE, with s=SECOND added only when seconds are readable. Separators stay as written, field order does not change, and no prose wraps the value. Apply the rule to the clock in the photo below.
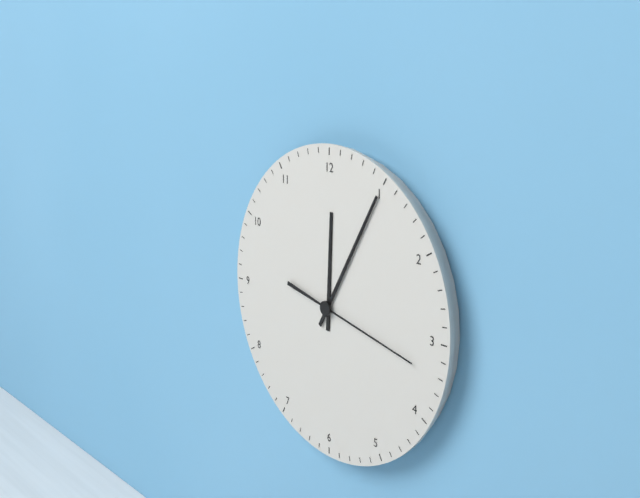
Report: h=12 m=5 s=17
